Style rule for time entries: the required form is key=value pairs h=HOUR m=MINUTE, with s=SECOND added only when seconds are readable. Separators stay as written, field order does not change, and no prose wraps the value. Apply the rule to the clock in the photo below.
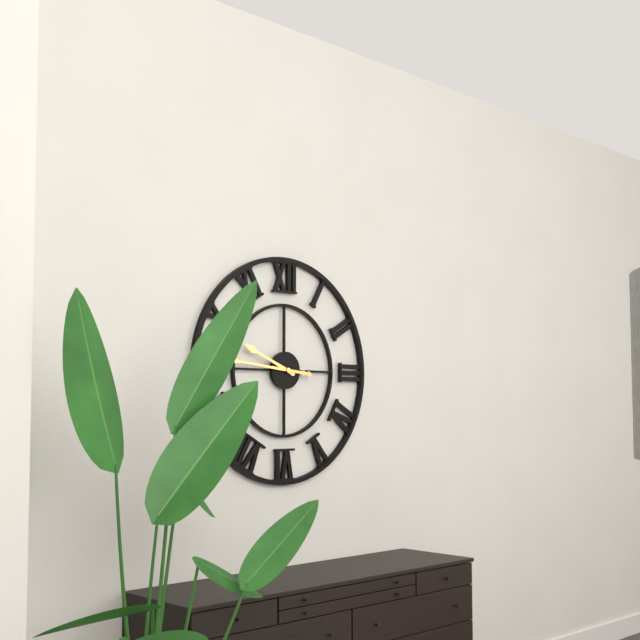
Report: h=9 m=46
